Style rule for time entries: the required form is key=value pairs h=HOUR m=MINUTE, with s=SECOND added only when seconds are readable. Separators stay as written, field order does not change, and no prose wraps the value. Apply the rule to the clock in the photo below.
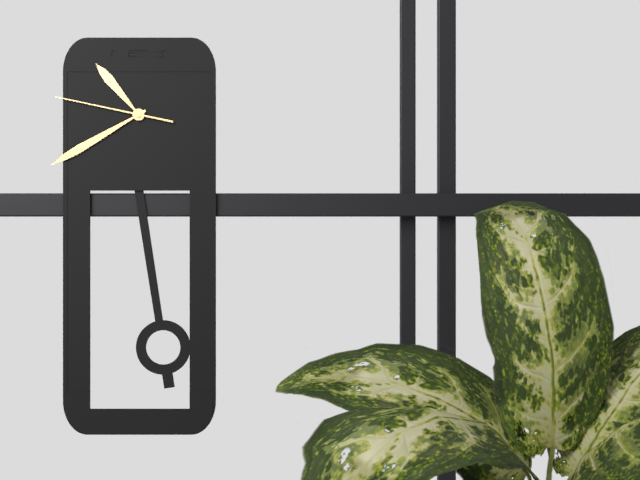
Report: h=10 m=40 s=47
